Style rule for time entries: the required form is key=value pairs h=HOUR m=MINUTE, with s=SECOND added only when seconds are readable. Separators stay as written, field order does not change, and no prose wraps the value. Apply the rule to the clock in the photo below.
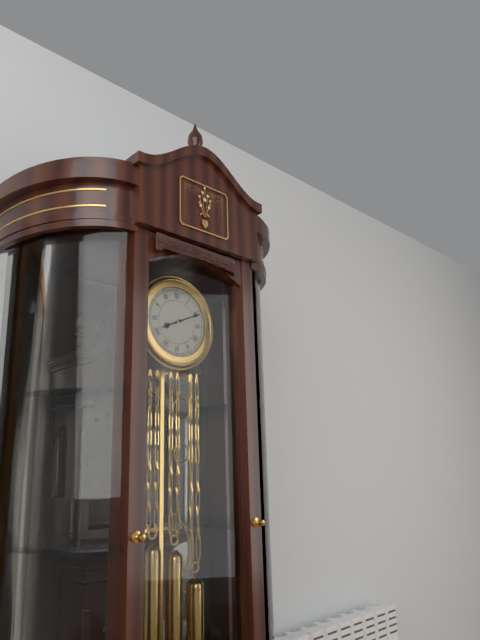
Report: h=8 m=11
